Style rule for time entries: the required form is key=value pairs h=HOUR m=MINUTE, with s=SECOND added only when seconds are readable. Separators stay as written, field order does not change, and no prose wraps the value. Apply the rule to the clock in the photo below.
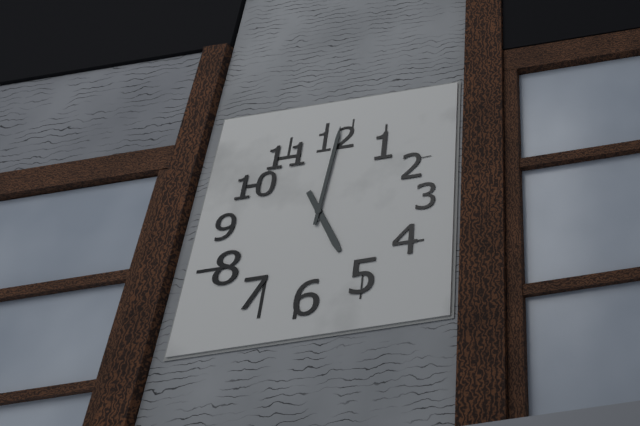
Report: h=5 m=1
